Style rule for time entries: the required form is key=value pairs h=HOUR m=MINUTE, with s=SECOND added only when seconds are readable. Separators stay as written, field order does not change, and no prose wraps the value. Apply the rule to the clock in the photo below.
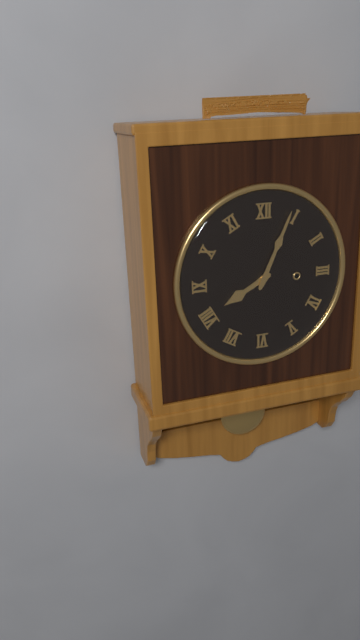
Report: h=8 m=4
